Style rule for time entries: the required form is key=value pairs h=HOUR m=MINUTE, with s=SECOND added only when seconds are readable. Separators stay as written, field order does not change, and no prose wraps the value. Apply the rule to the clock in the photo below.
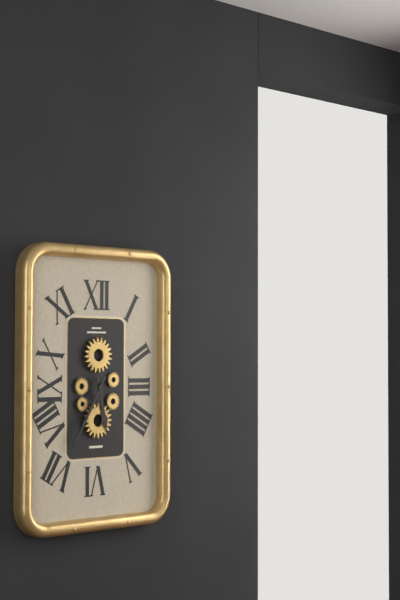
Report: h=5 m=35
